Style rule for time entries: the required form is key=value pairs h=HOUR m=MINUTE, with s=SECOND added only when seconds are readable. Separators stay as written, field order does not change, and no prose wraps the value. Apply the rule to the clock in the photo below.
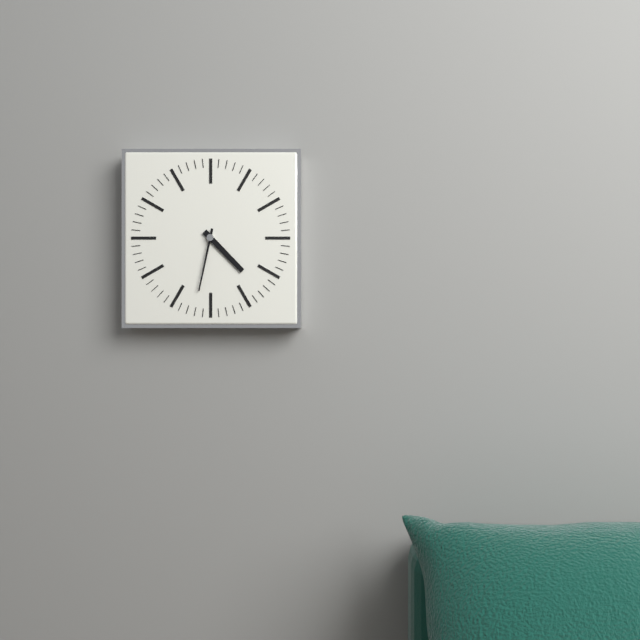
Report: h=4 m=32
